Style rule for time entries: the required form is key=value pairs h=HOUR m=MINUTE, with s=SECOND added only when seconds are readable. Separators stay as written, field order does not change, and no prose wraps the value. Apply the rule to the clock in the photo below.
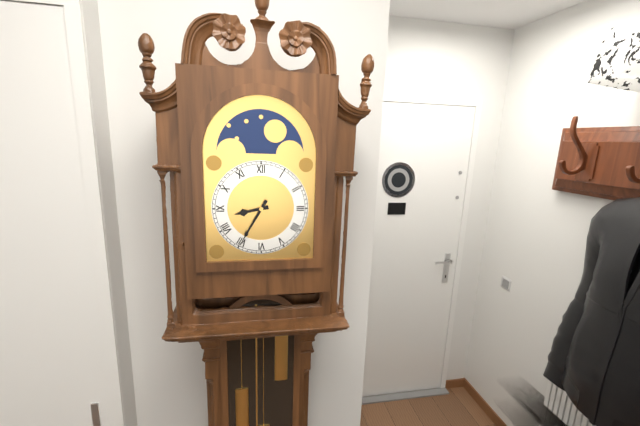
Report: h=8 m=35
